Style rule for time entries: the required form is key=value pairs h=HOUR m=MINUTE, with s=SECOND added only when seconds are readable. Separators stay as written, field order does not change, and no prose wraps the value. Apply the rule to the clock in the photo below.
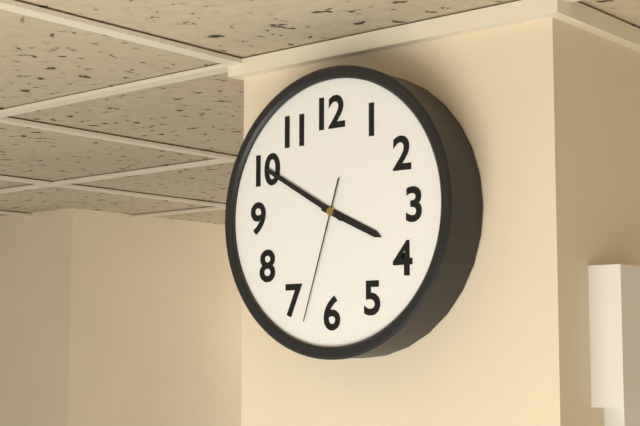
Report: h=3 m=50 s=33
